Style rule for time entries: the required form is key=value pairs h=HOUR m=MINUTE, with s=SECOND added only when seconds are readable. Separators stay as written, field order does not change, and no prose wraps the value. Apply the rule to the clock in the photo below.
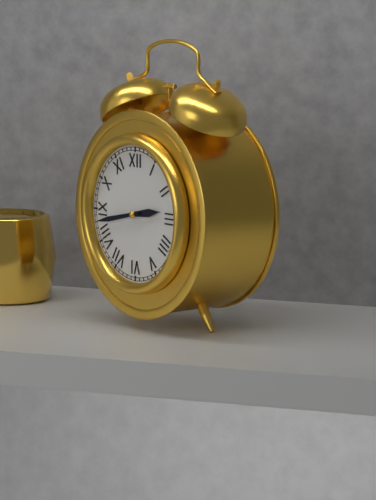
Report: h=2 m=43
